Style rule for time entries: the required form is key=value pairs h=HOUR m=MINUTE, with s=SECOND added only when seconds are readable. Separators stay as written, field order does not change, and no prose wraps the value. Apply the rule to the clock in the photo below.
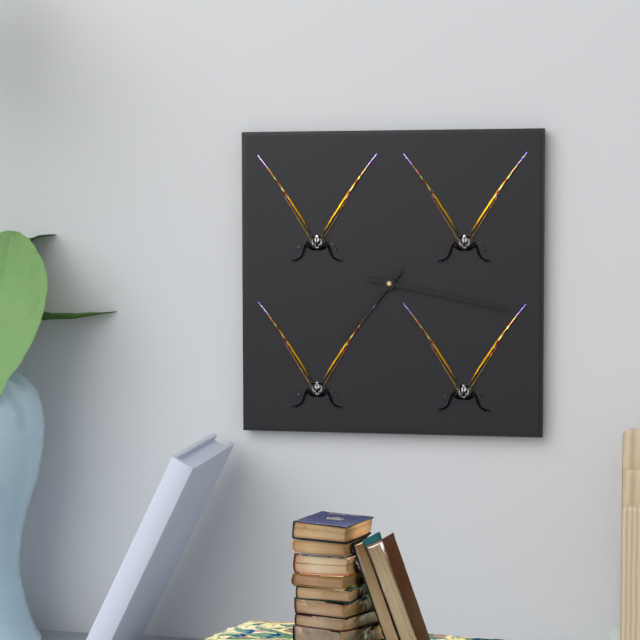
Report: h=7 m=17
